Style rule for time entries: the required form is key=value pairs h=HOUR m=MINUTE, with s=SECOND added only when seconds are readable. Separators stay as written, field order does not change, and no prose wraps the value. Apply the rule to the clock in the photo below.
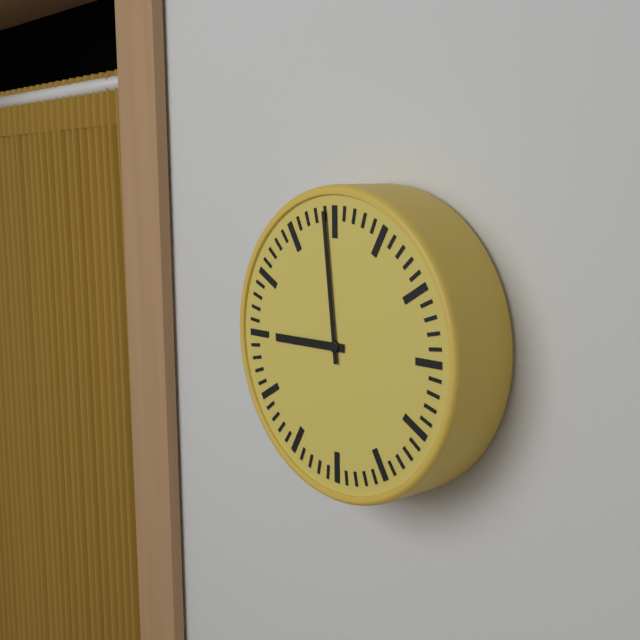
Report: h=8 m=59
